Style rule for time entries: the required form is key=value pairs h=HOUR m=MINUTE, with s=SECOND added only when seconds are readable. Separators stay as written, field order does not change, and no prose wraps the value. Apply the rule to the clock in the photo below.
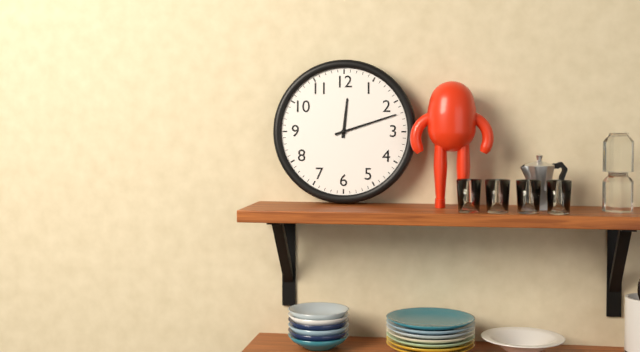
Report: h=12 m=12
